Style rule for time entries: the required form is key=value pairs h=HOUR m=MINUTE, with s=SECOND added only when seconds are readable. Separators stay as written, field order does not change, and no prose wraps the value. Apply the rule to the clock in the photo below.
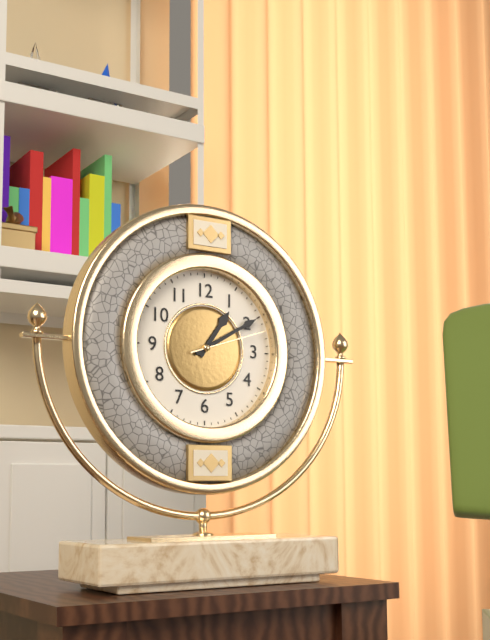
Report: h=1 m=10 s=12
